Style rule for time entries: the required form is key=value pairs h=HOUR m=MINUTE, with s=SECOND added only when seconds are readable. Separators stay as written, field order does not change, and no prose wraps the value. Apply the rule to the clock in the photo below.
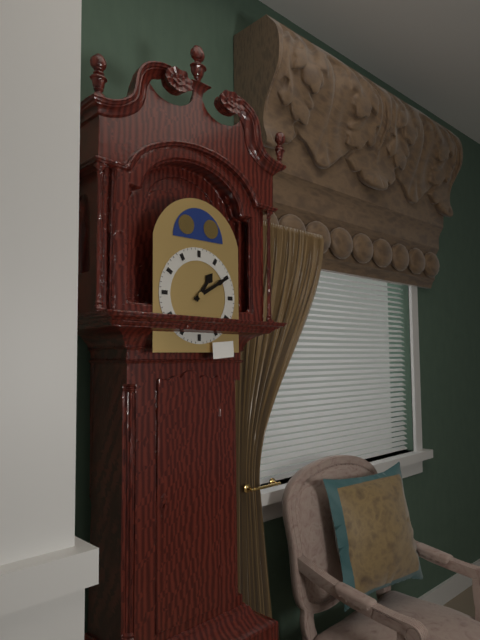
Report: h=1 m=10
